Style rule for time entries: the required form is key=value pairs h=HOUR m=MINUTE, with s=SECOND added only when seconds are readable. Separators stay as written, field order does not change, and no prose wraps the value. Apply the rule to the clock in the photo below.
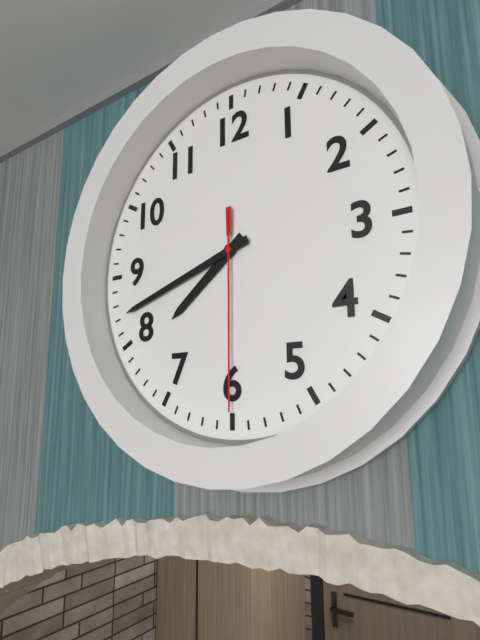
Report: h=7 m=42 s=30
